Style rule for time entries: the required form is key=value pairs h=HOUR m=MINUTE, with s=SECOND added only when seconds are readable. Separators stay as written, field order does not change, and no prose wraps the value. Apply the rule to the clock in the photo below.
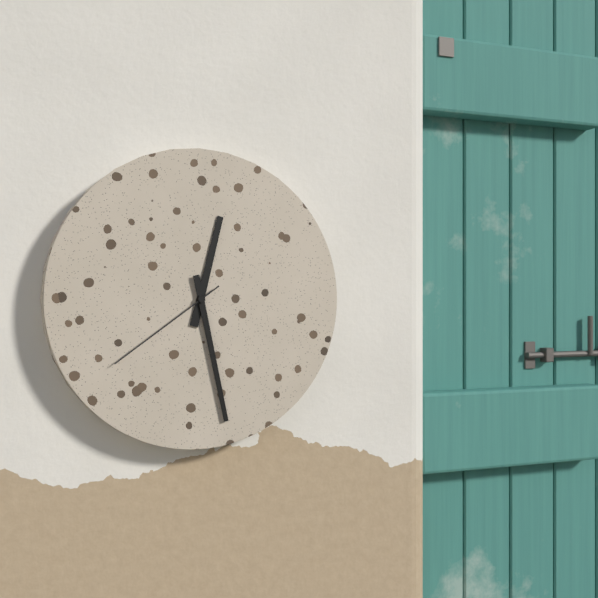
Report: h=12 m=28 s=39
